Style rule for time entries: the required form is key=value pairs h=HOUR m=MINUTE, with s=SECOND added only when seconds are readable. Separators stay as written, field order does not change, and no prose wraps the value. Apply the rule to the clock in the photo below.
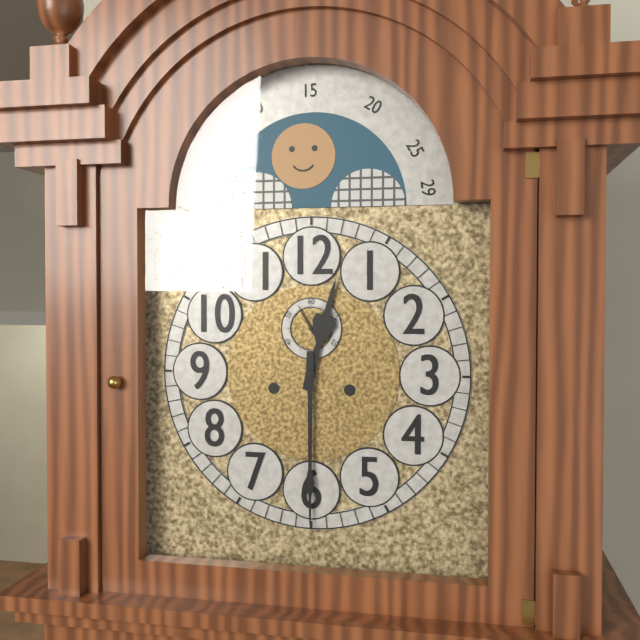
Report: h=12 m=30
